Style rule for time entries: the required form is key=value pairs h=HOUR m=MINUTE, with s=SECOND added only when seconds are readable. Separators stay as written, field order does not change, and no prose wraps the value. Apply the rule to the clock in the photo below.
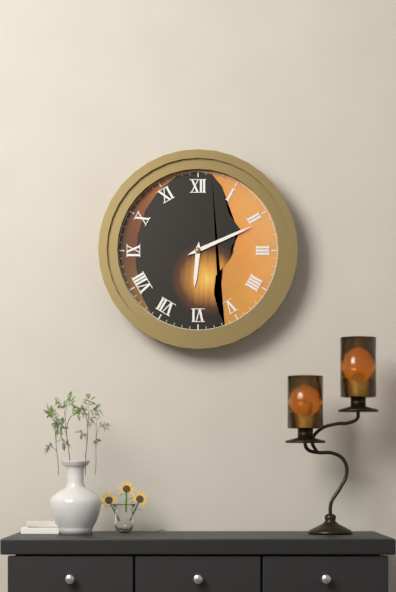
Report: h=6 m=11
